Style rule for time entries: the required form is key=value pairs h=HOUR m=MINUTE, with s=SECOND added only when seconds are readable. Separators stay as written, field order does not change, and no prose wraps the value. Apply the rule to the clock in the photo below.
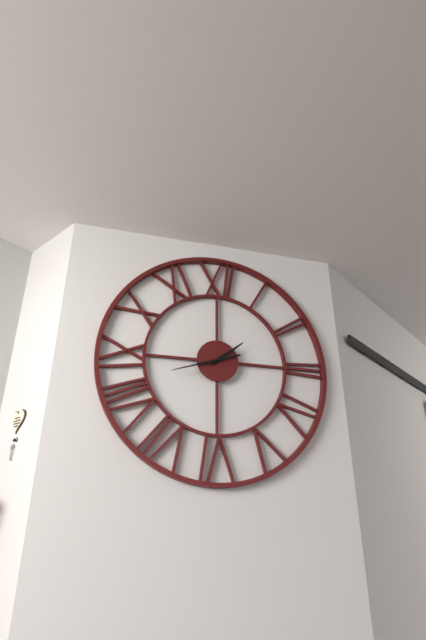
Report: h=1 m=42
